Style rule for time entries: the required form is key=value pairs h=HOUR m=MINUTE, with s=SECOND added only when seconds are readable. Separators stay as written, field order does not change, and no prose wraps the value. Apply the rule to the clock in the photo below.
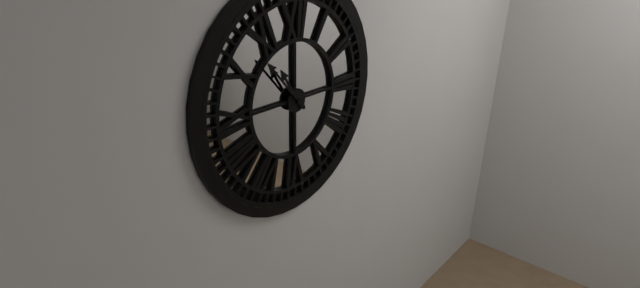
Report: h=10 m=53
